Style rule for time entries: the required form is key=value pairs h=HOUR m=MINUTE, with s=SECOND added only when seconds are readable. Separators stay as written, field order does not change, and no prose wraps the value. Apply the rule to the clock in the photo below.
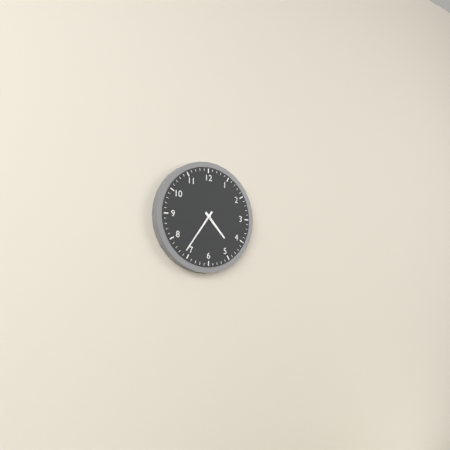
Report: h=4 m=36
